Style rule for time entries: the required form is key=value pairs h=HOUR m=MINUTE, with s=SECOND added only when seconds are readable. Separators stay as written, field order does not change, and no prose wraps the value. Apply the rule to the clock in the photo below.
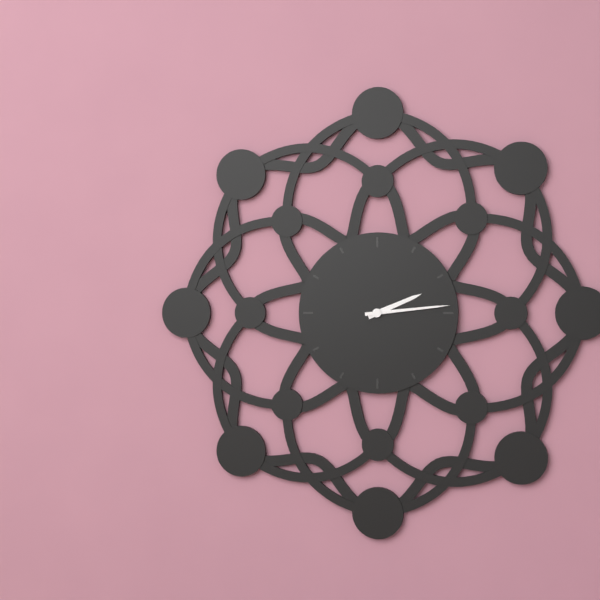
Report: h=2 m=14
